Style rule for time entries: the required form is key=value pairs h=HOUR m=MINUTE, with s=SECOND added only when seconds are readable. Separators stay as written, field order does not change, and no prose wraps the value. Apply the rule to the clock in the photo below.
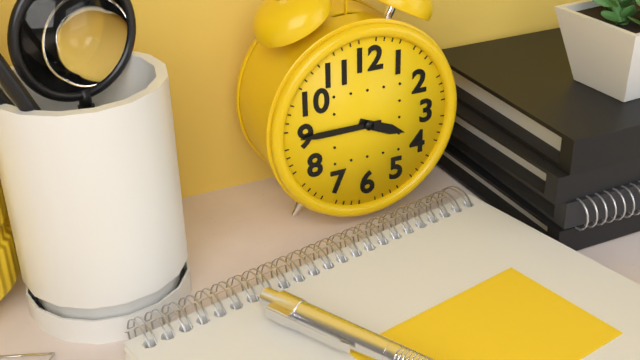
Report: h=3 m=45
